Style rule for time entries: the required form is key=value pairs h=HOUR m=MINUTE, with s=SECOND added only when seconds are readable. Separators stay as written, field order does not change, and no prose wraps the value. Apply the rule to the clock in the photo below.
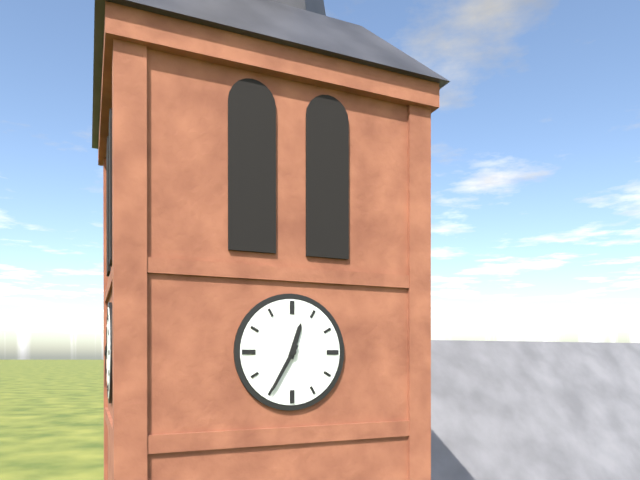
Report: h=12 m=35
